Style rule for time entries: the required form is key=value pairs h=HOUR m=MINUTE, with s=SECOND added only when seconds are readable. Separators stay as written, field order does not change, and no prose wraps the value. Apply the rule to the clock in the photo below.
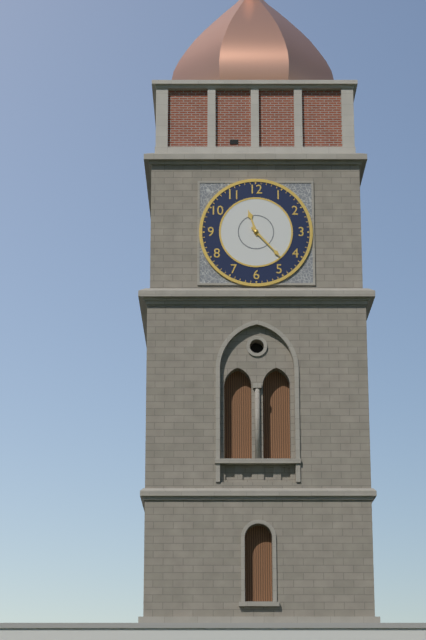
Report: h=11 m=23
